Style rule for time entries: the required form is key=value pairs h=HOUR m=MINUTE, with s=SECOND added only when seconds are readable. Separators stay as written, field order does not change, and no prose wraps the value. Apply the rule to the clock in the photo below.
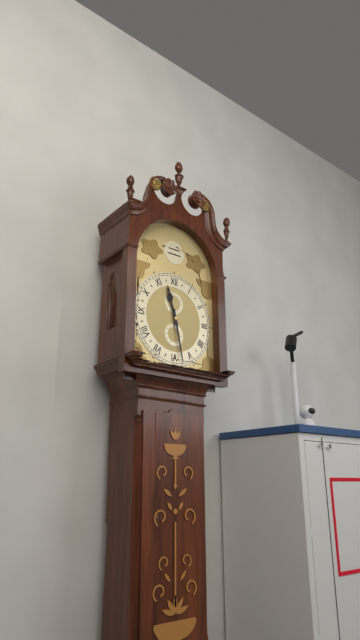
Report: h=11 m=28
